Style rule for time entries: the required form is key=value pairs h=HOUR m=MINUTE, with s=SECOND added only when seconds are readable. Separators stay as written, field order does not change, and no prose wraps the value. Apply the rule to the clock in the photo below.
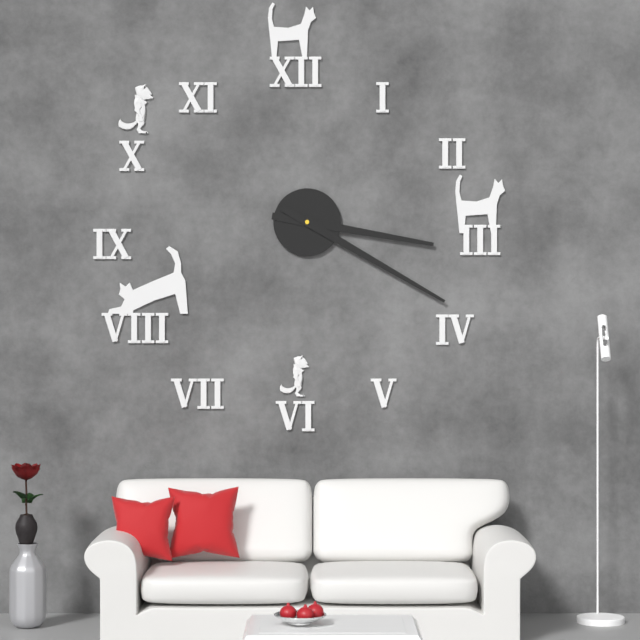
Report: h=3 m=20
